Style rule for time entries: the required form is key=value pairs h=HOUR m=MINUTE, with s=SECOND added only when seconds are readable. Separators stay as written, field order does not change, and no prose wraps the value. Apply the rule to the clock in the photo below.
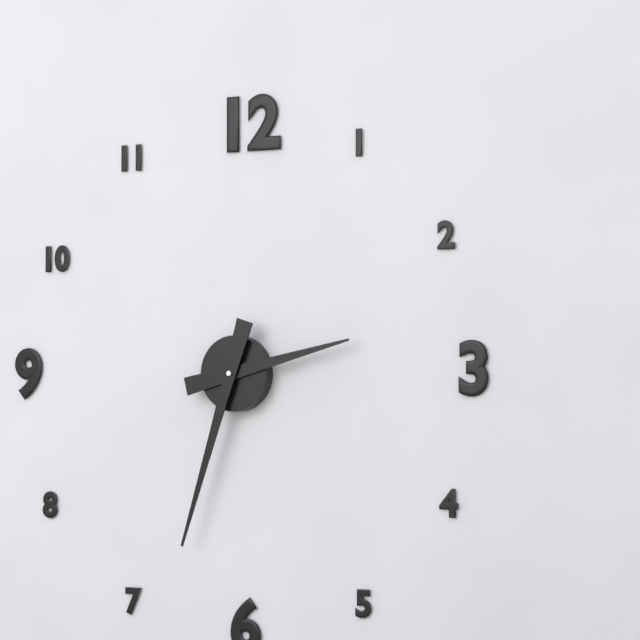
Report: h=2 m=33
